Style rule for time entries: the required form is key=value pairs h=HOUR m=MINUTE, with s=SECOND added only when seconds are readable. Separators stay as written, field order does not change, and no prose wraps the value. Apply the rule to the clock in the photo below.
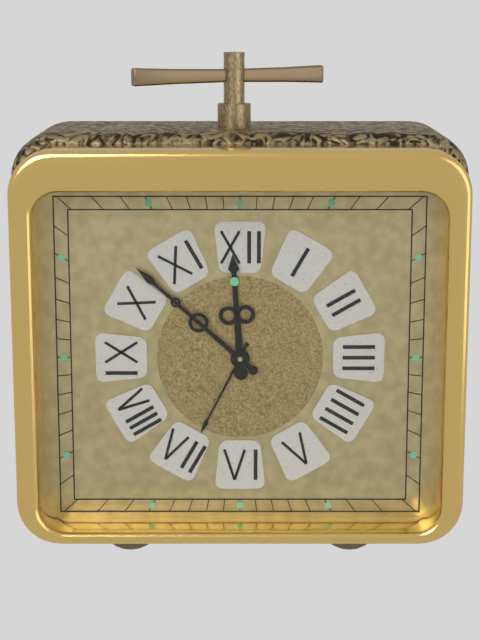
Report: h=11 m=52
